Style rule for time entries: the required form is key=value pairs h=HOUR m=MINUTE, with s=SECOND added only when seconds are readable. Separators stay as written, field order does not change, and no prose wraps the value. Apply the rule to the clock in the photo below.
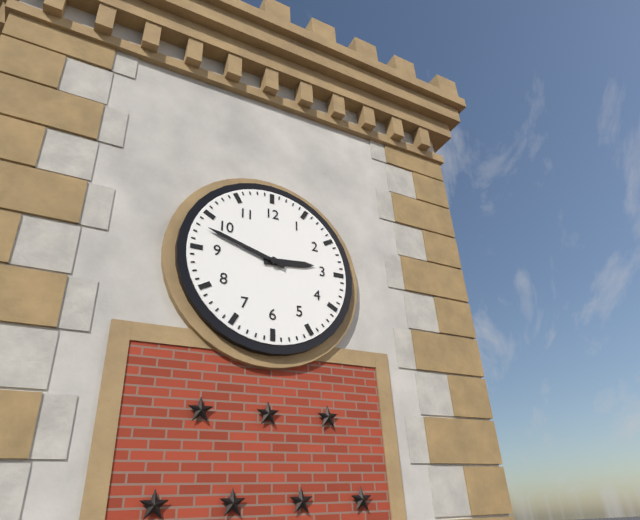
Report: h=2 m=48
